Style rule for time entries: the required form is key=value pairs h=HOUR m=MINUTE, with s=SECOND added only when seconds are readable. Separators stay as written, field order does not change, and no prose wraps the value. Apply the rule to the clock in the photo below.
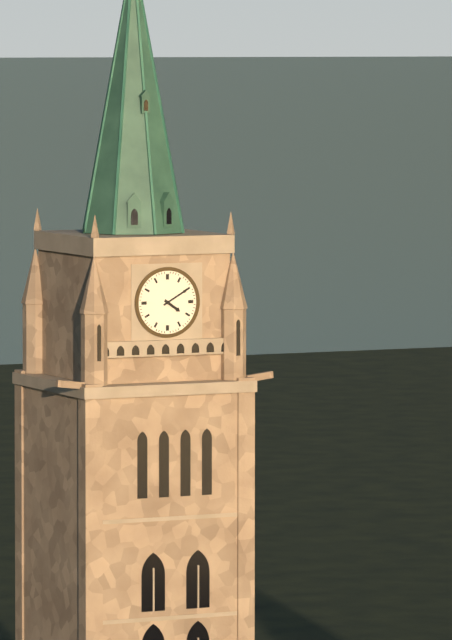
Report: h=4 m=10
